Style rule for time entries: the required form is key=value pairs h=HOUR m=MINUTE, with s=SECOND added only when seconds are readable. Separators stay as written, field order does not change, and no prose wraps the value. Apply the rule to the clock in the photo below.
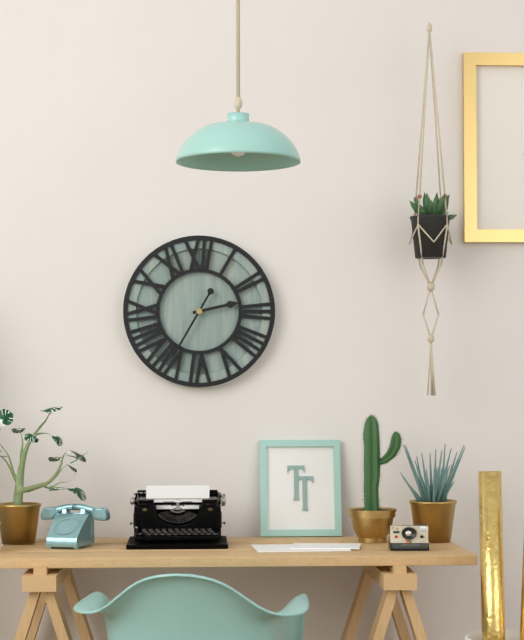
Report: h=2 m=35
